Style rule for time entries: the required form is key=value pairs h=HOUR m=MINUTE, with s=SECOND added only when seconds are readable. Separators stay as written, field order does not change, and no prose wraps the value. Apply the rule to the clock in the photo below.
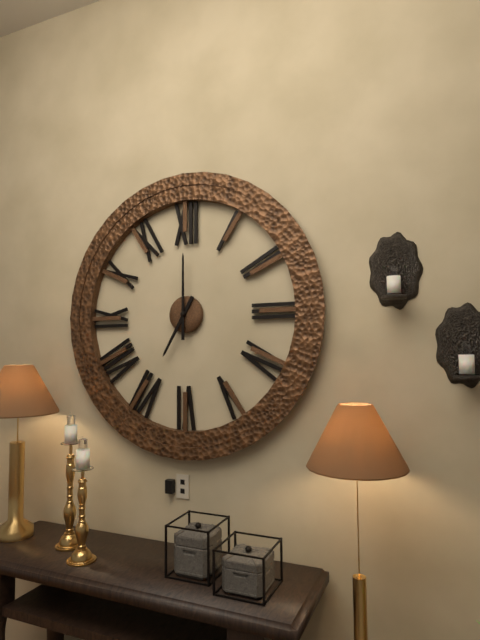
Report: h=7 m=0
